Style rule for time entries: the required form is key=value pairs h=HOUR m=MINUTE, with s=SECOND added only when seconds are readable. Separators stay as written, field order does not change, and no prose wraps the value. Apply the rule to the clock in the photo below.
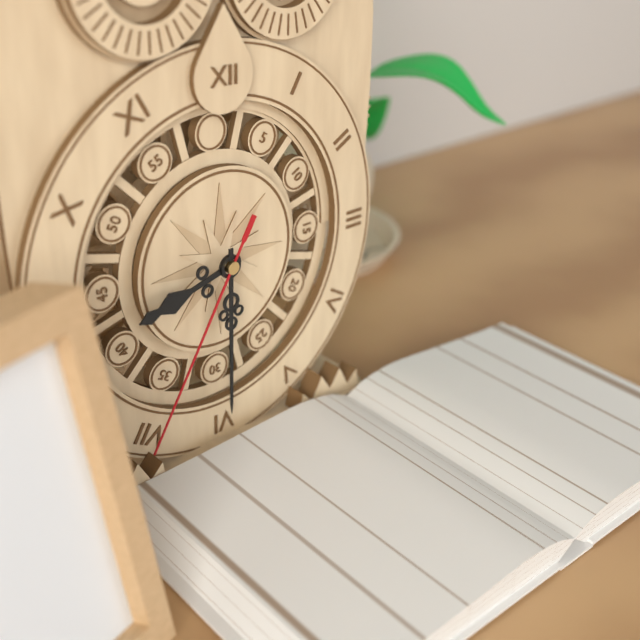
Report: h=8 m=30 s=35
